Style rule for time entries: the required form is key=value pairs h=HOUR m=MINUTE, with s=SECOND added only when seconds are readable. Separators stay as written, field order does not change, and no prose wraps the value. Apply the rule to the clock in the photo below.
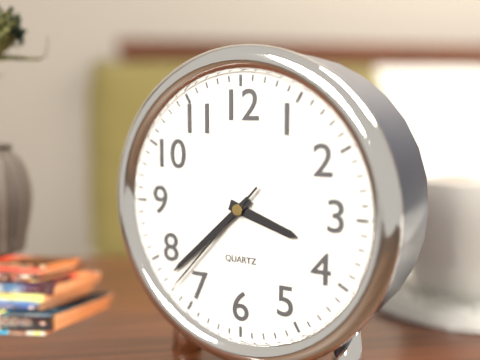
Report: h=3 m=38 s=37
